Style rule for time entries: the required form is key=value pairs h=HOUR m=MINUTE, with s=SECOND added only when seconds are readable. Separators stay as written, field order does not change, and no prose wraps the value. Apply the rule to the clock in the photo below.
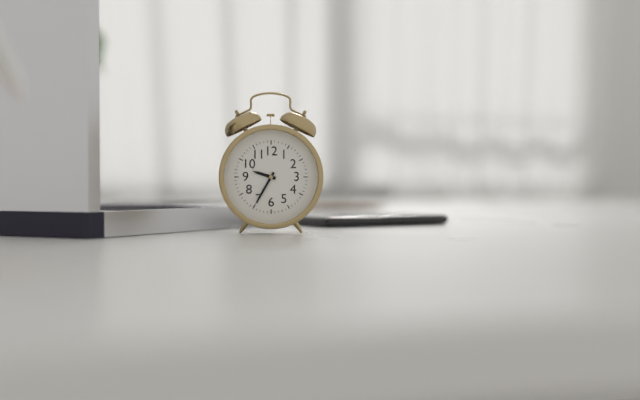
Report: h=9 m=35
